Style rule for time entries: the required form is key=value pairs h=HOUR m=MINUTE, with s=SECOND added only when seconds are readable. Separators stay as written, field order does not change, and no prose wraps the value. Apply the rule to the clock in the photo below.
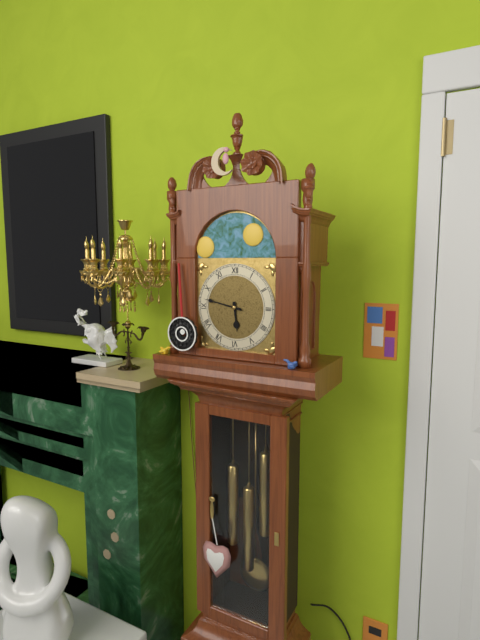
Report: h=5 m=47
